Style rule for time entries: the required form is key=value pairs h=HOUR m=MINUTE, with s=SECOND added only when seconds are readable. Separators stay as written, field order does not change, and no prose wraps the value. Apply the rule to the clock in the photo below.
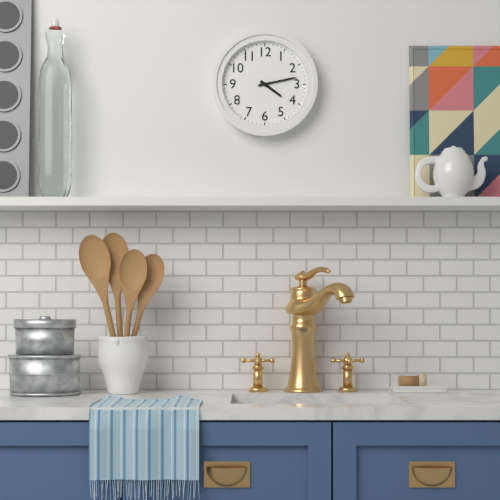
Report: h=4 m=13
